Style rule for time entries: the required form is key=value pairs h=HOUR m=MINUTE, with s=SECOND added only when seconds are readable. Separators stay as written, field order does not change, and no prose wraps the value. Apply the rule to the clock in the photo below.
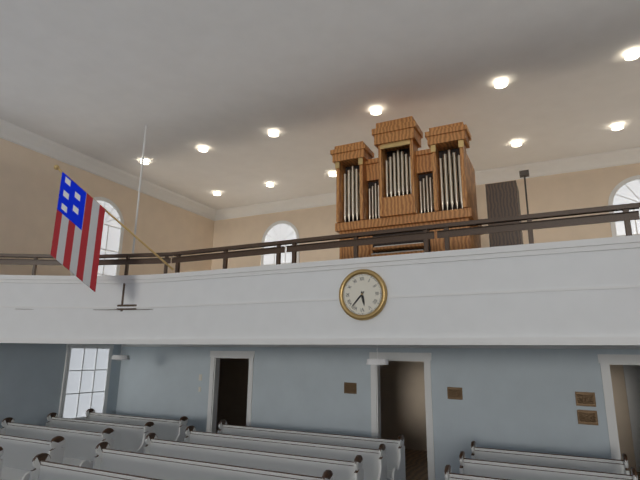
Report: h=5 m=37
